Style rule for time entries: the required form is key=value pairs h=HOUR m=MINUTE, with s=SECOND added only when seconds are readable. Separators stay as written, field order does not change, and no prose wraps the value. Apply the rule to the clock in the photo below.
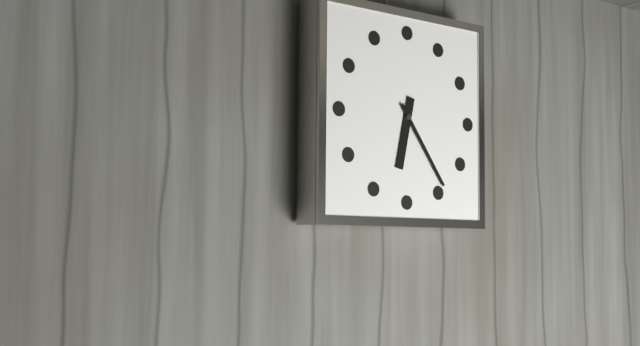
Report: h=6 m=24
